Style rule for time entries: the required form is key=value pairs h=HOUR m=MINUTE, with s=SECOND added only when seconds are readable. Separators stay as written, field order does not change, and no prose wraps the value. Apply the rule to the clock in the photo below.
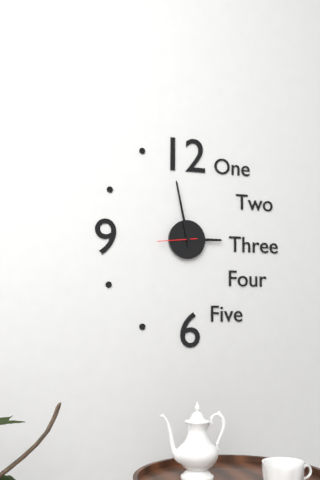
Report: h=2 m=58
